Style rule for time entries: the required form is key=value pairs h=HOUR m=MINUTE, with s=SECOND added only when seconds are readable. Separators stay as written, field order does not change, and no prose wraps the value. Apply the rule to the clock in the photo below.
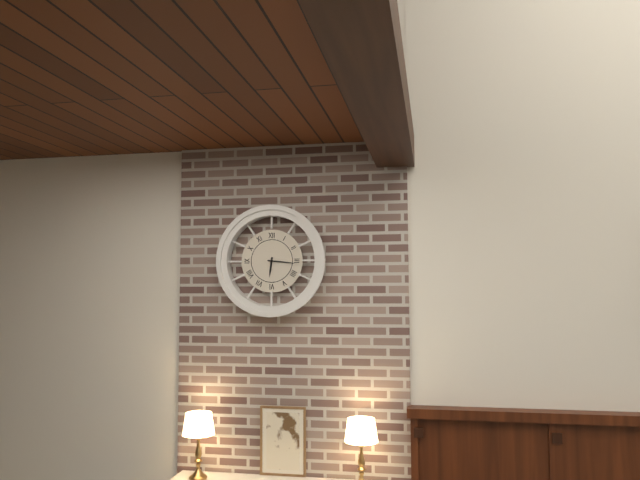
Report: h=6 m=16
